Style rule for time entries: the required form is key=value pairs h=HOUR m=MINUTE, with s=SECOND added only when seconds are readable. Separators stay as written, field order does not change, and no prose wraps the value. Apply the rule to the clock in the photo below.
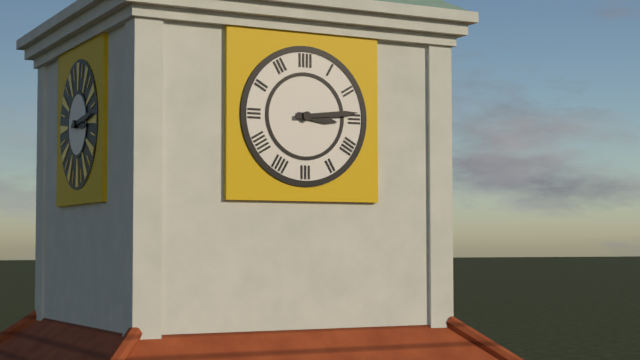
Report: h=3 m=14
